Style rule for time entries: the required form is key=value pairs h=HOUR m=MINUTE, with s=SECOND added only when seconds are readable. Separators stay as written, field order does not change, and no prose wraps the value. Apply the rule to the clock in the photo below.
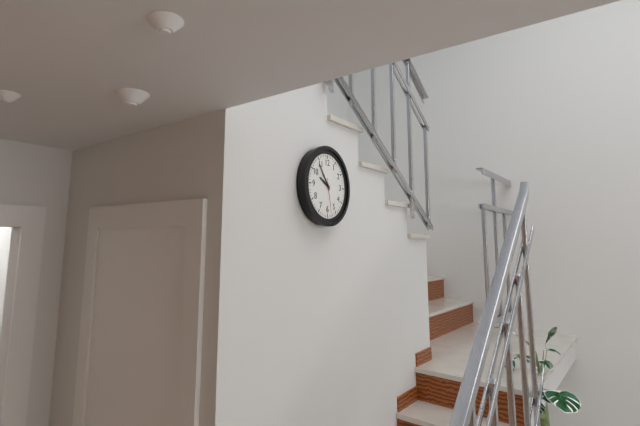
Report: h=9 m=54
